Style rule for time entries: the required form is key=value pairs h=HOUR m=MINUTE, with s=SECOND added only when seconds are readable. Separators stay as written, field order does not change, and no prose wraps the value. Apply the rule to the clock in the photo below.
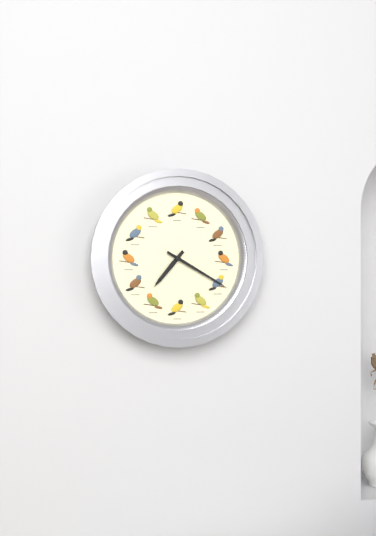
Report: h=7 m=20
